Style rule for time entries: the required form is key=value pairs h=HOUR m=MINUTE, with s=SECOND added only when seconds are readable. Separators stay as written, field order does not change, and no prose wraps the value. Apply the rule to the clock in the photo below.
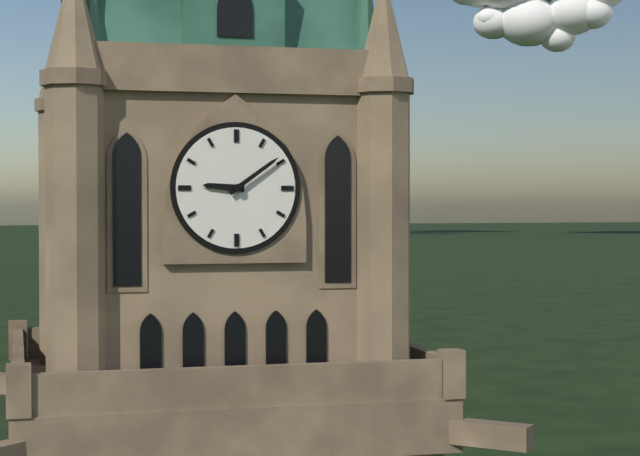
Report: h=9 m=9
